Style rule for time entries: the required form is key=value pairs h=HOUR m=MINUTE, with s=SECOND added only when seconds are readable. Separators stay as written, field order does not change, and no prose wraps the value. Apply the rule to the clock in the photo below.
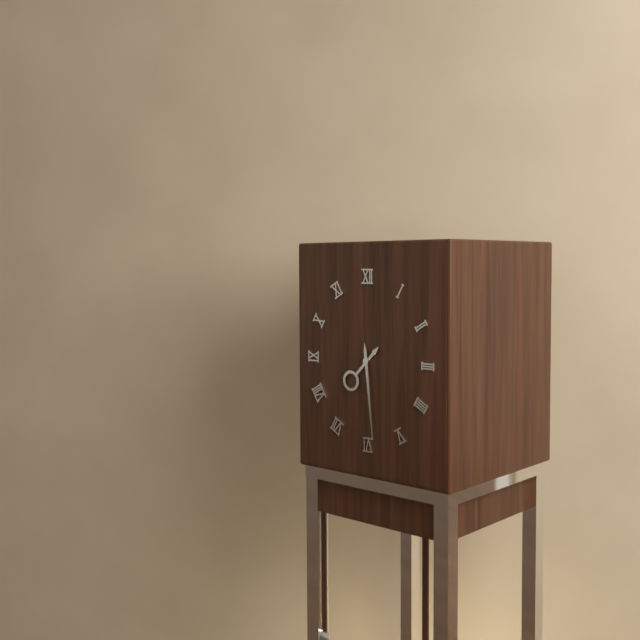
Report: h=7 m=29
